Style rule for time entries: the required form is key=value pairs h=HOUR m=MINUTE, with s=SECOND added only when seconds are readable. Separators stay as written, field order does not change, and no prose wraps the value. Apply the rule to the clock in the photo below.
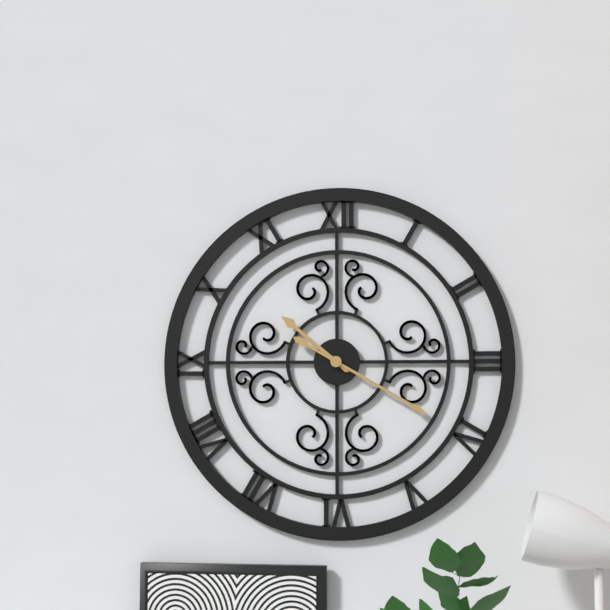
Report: h=10 m=20
